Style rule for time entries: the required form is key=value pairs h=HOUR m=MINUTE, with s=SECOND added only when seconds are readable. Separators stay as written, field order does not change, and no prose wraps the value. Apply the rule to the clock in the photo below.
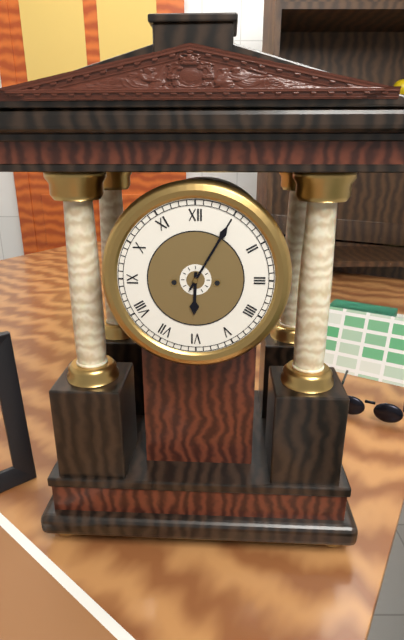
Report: h=6 m=5
